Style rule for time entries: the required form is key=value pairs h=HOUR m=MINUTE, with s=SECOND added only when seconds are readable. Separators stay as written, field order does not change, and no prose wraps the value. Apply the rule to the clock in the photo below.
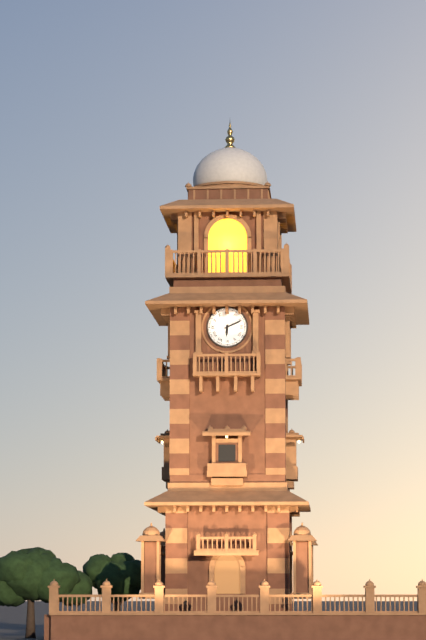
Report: h=6 m=11
